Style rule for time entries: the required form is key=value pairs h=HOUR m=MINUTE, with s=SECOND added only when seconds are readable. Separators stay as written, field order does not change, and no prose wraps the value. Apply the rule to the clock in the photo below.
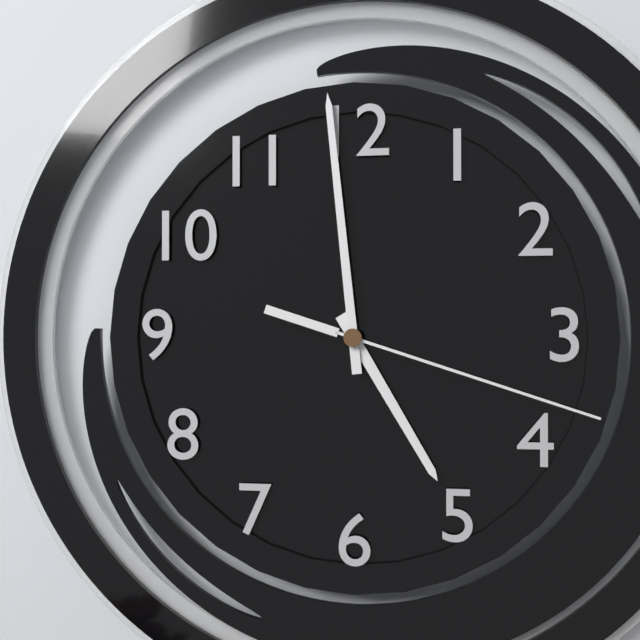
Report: h=4 m=59 s=18
